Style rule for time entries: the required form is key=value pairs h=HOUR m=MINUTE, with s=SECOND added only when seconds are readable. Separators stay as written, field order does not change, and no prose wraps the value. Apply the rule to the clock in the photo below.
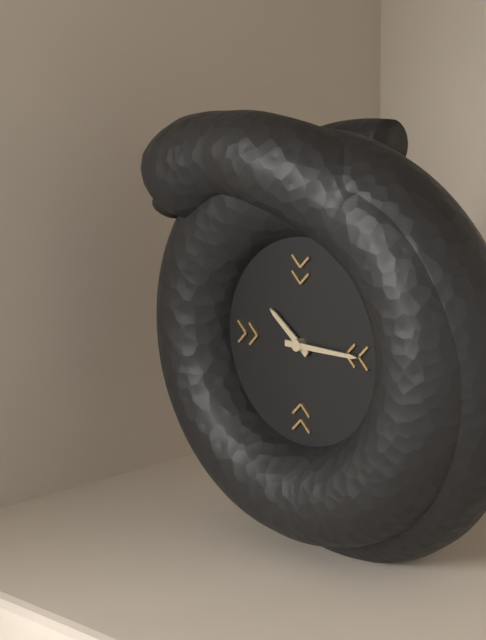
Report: h=10 m=15
